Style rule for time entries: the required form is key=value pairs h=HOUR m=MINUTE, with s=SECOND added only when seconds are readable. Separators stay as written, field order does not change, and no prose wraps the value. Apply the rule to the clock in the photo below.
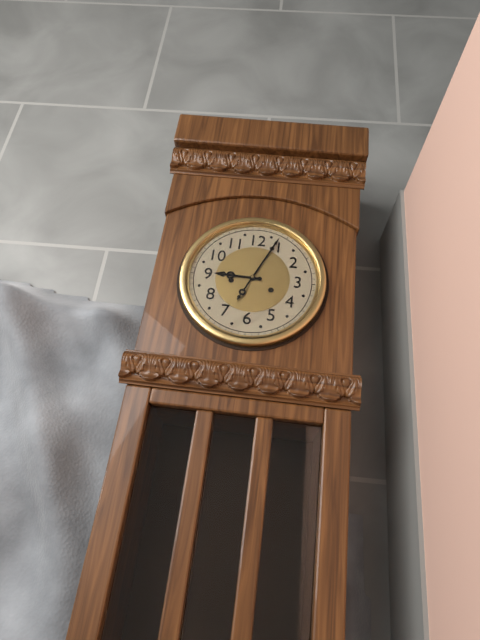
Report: h=9 m=4
